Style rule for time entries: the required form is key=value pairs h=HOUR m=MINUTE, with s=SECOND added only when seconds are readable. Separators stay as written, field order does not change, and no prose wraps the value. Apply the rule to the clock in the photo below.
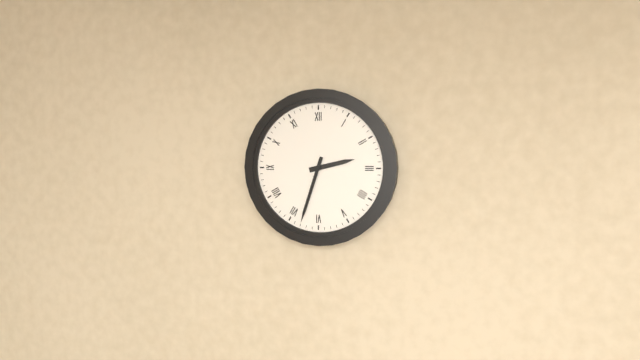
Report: h=2 m=33
